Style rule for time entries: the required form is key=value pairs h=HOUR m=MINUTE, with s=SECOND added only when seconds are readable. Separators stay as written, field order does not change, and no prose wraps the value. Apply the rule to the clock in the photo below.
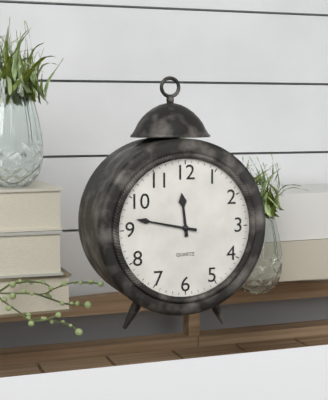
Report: h=11 m=47
